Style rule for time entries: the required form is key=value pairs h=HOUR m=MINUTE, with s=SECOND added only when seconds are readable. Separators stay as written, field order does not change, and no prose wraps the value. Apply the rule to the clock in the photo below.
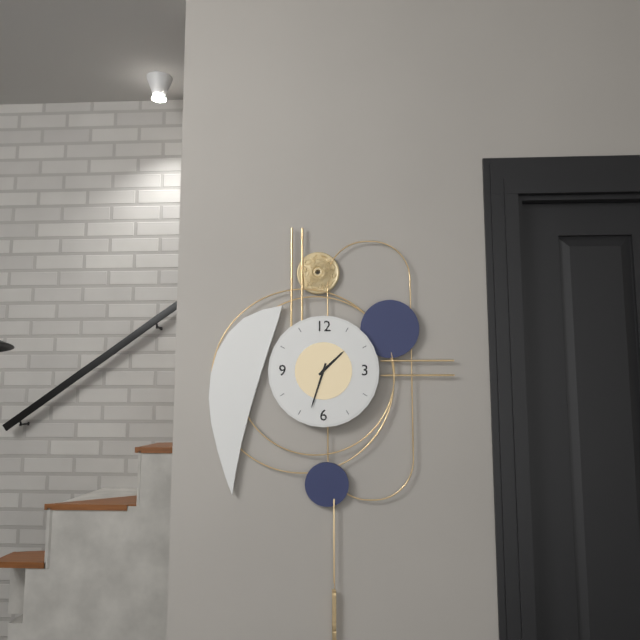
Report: h=1 m=33
